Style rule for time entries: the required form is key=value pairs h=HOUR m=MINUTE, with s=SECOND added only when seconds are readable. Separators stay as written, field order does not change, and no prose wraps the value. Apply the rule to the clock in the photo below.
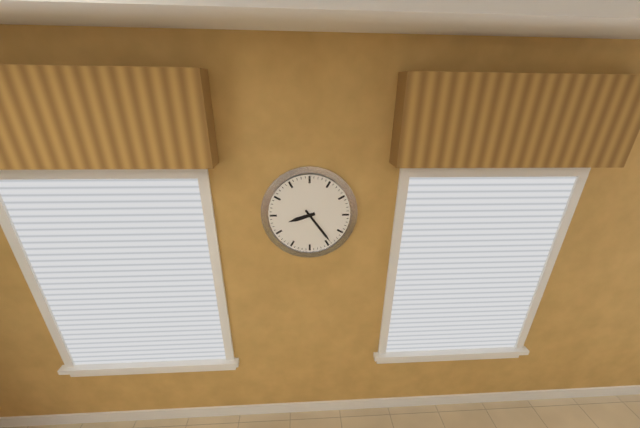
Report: h=8 m=24
